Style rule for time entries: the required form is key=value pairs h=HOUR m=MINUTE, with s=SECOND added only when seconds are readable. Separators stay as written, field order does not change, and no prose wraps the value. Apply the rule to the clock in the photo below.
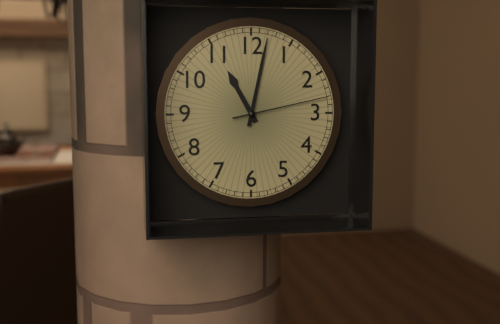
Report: h=11 m=2 s=13
